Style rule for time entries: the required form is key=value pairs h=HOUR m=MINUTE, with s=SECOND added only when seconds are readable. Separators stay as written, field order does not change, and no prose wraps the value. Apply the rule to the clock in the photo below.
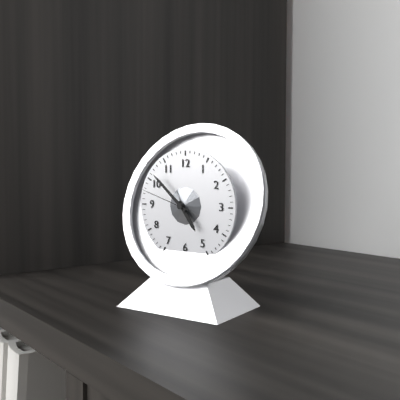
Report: h=4 m=52 s=48
